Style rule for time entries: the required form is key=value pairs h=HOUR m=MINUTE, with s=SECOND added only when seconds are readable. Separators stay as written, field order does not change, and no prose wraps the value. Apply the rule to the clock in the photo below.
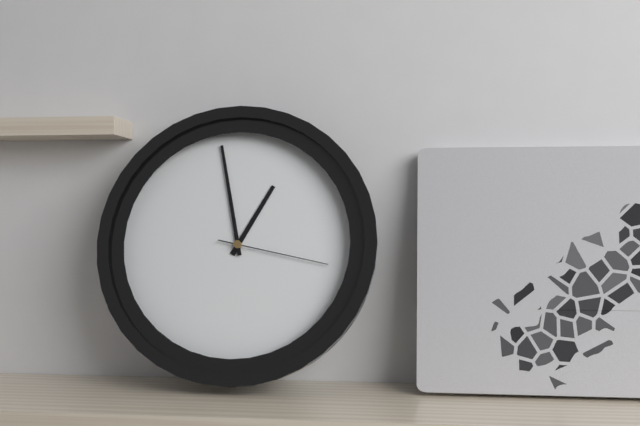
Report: h=12 m=58 s=17
